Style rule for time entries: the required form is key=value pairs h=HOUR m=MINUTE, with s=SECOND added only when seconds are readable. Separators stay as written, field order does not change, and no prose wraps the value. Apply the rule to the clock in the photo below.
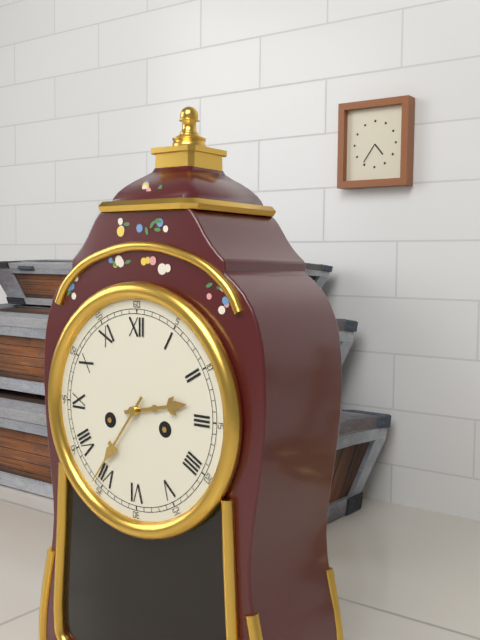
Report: h=2 m=36
